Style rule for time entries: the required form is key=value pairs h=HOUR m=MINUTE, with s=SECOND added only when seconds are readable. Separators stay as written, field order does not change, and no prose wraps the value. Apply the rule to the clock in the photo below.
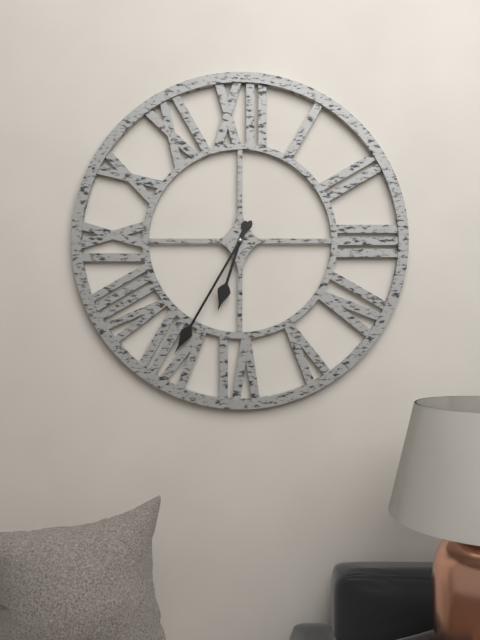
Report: h=6 m=35
